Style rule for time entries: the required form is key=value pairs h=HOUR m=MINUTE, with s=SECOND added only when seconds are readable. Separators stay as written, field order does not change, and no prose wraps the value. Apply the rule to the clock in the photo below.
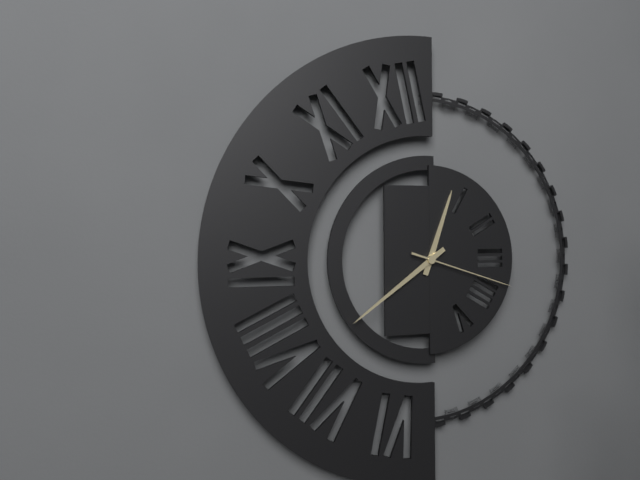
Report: h=12 m=39 s=18
